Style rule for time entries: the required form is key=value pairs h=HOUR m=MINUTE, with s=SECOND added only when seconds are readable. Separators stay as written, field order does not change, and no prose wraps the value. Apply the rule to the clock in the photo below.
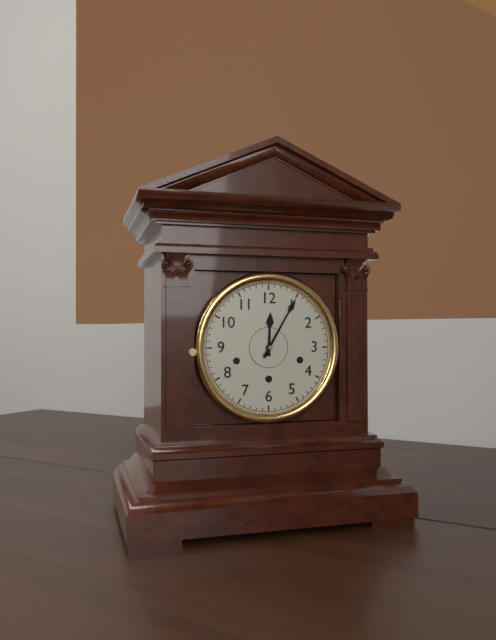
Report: h=12 m=5
